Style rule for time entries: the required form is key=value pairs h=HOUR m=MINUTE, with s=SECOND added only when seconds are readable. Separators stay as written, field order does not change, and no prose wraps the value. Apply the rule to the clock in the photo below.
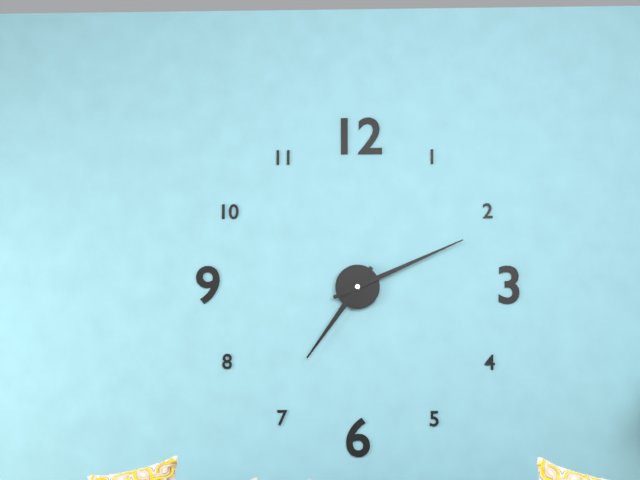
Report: h=7 m=11
